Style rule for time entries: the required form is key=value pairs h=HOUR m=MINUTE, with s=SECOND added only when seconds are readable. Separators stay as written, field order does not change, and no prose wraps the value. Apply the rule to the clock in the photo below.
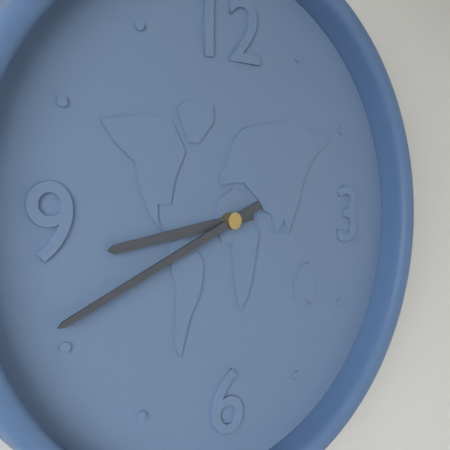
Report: h=8 m=41
